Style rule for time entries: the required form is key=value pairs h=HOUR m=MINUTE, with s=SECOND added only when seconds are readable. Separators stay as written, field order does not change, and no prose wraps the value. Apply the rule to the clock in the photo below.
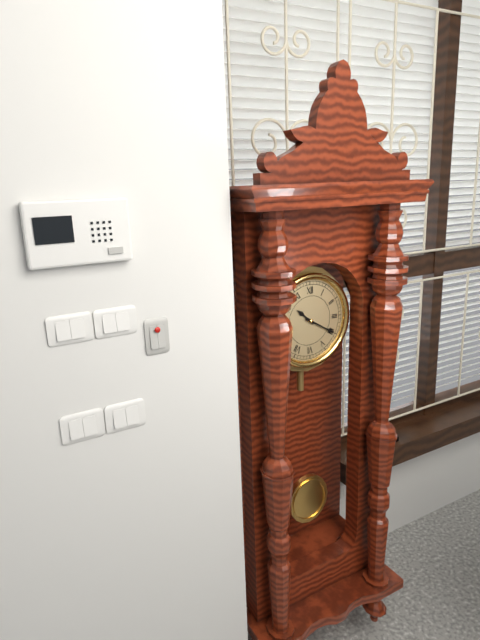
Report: h=10 m=20
